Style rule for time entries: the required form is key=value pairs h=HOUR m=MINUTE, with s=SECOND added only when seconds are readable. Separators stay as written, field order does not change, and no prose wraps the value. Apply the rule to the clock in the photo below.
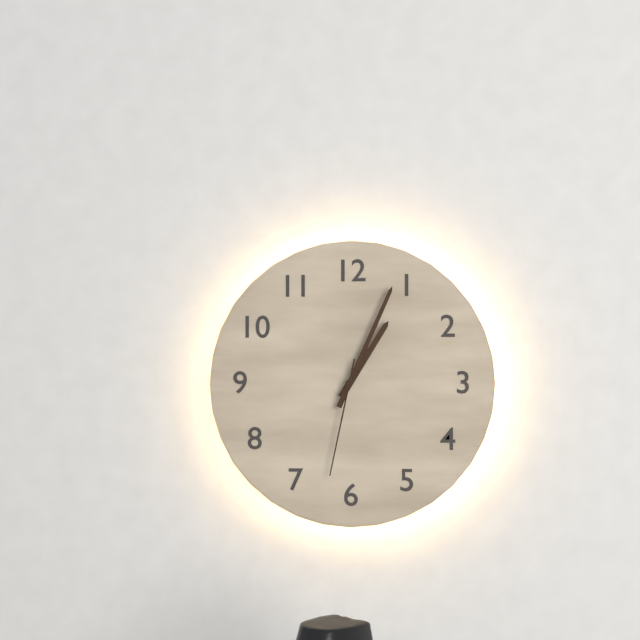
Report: h=1 m=4 s=32
